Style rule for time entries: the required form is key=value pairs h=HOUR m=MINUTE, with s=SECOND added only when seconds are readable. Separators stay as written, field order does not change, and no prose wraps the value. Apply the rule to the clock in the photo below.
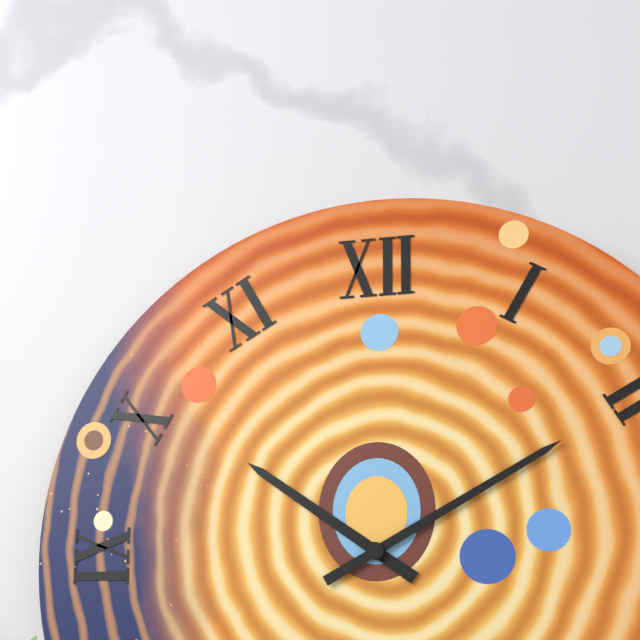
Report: h=10 m=10
